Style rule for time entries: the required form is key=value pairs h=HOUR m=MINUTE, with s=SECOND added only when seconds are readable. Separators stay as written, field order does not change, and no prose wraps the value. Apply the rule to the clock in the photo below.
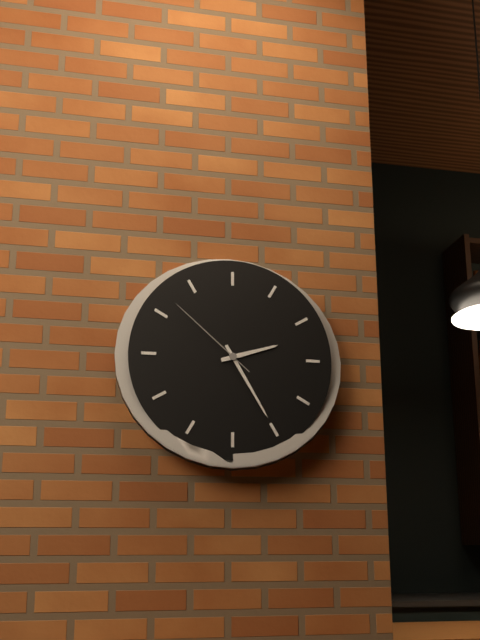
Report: h=2 m=25 s=52
